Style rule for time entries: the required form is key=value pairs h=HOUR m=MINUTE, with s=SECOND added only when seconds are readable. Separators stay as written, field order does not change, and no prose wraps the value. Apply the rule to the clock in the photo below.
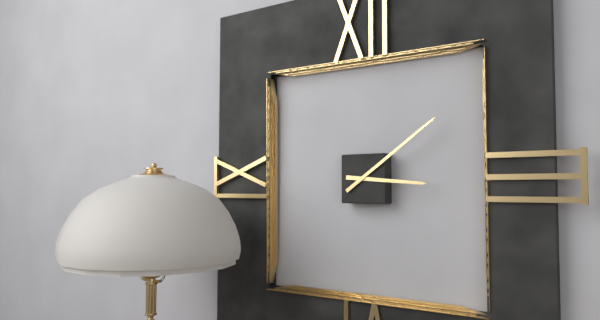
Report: h=3 m=9
